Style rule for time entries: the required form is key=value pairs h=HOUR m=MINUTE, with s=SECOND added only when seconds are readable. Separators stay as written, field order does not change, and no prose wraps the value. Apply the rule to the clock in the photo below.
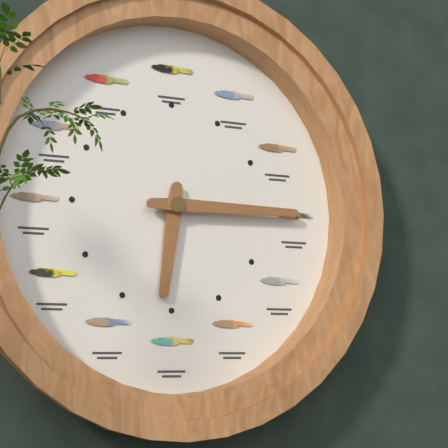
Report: h=6 m=15
